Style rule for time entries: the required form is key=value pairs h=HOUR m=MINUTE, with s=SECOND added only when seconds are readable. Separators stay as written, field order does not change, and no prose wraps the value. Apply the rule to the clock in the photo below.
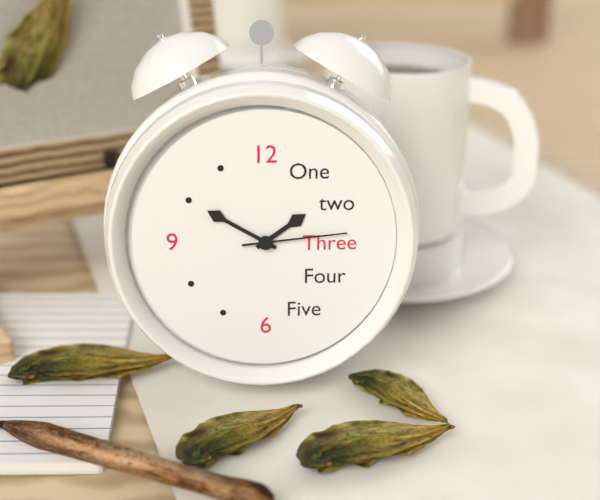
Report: h=1 m=50 s=14
